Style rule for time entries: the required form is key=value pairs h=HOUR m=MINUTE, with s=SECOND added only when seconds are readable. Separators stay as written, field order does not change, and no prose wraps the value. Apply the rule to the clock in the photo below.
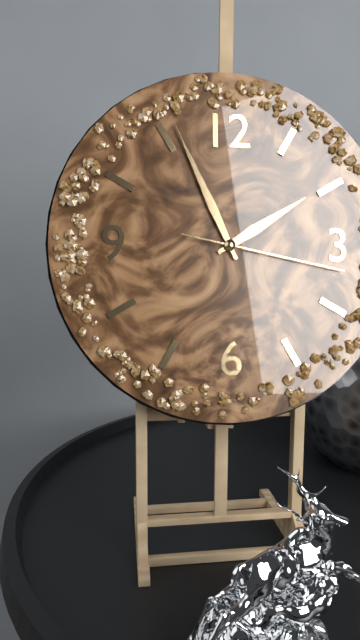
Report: h=1 m=56 s=17
